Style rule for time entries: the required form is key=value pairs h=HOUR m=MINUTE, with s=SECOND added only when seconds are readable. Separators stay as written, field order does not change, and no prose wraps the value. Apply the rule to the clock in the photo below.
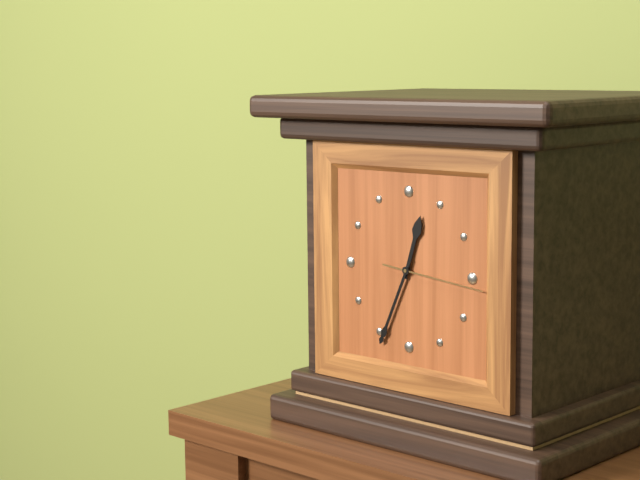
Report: h=12 m=34 s=16
